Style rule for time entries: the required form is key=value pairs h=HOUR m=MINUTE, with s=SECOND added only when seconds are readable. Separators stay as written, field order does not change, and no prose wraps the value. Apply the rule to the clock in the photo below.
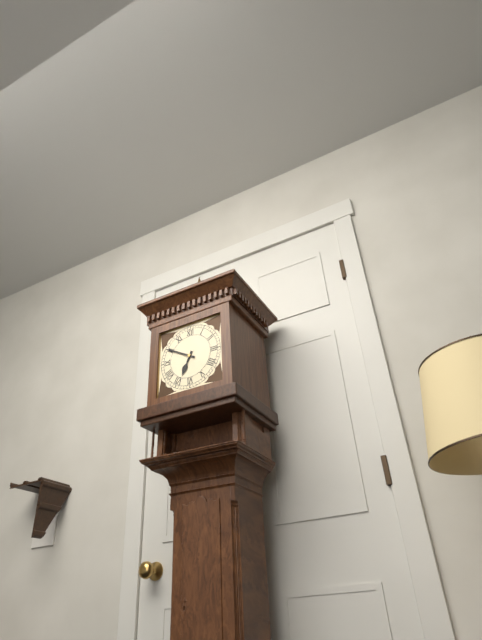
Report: h=6 m=50
